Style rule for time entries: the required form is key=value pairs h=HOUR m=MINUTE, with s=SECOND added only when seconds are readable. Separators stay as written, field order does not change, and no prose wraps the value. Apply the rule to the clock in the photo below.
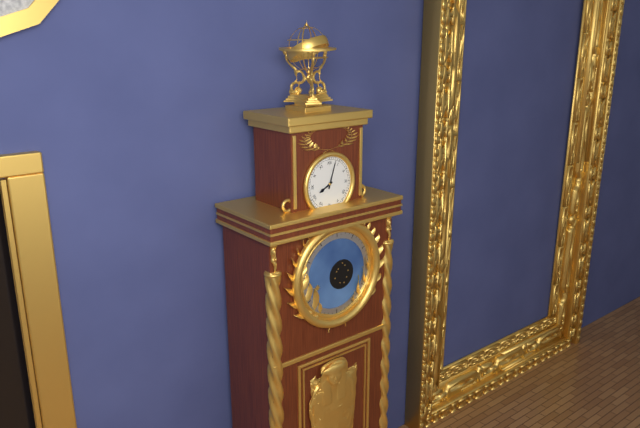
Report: h=8 m=3
